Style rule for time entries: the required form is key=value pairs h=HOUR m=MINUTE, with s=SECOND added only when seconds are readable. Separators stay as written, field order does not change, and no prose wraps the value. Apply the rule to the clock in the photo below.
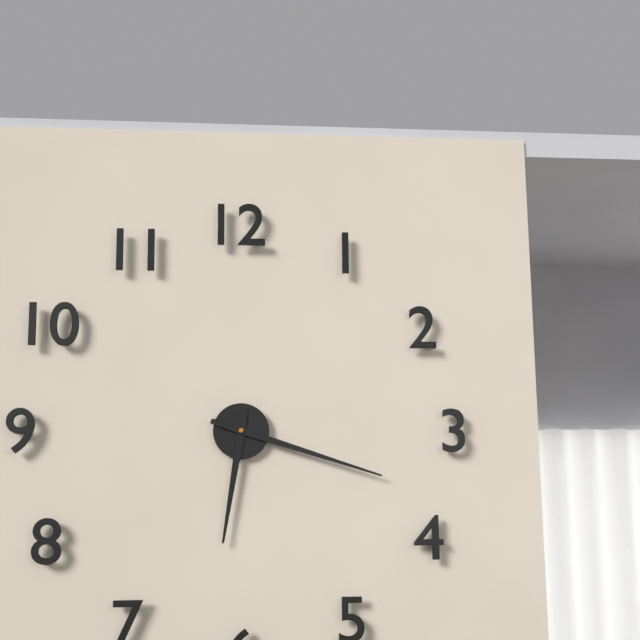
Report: h=6 m=18
